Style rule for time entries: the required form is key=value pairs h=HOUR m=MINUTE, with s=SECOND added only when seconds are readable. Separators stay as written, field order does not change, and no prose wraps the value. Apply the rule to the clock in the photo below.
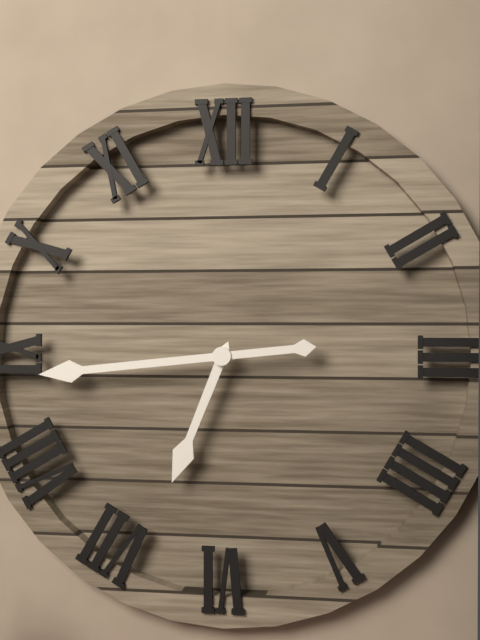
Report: h=6 m=44
